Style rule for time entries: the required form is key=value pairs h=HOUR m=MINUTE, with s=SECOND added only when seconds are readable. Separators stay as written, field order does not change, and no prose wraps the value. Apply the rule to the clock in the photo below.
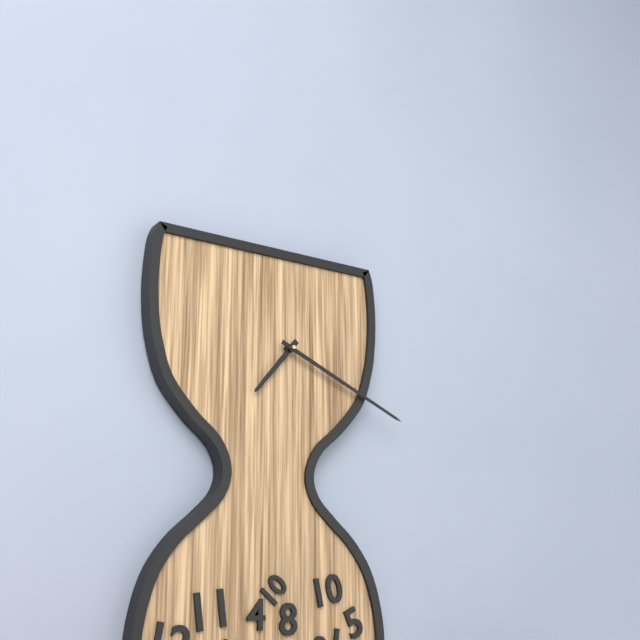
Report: h=7 m=19
